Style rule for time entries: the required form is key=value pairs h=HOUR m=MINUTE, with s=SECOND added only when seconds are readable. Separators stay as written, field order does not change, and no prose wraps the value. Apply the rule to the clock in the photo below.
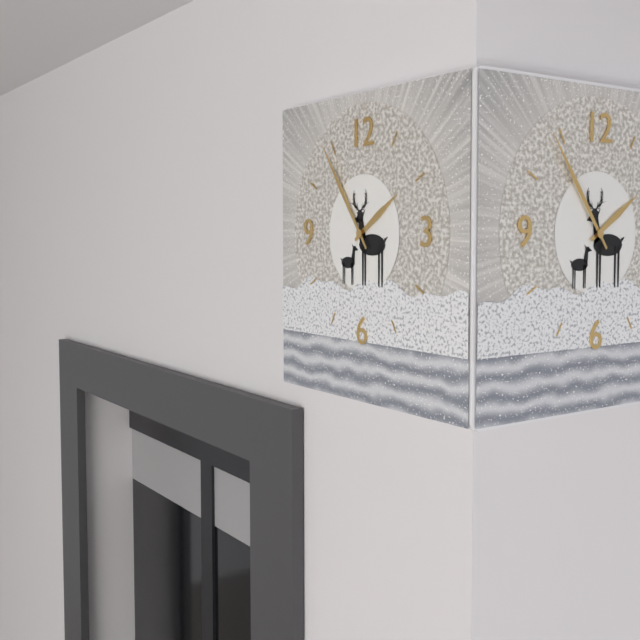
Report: h=1 m=54
